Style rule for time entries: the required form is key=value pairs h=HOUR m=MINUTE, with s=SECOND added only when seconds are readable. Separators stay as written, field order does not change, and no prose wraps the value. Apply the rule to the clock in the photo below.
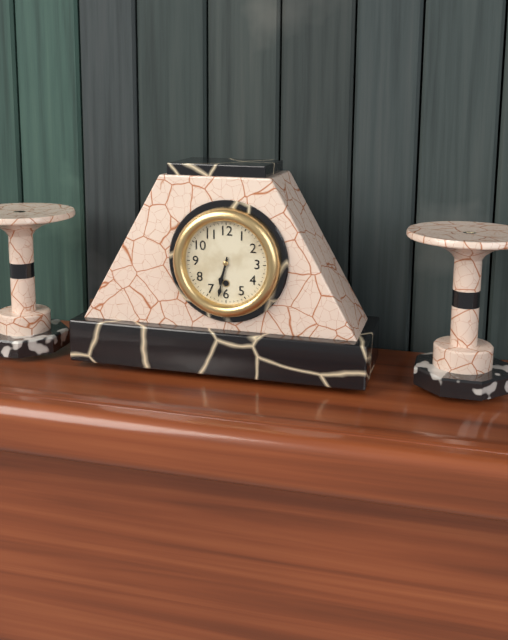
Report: h=6 m=32
